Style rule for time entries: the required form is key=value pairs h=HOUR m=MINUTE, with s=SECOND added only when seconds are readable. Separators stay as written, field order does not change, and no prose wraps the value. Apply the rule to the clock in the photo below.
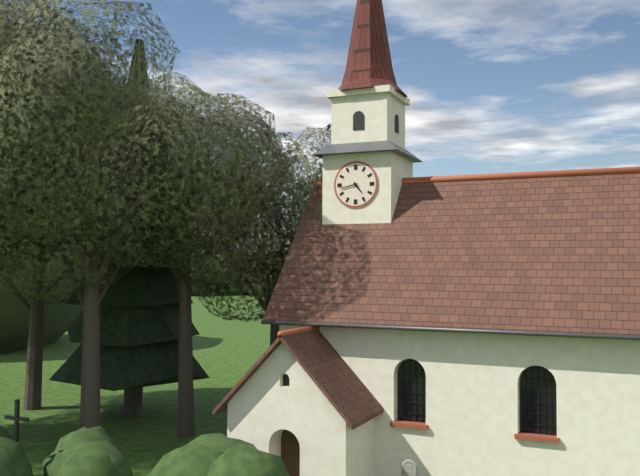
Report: h=4 m=43
